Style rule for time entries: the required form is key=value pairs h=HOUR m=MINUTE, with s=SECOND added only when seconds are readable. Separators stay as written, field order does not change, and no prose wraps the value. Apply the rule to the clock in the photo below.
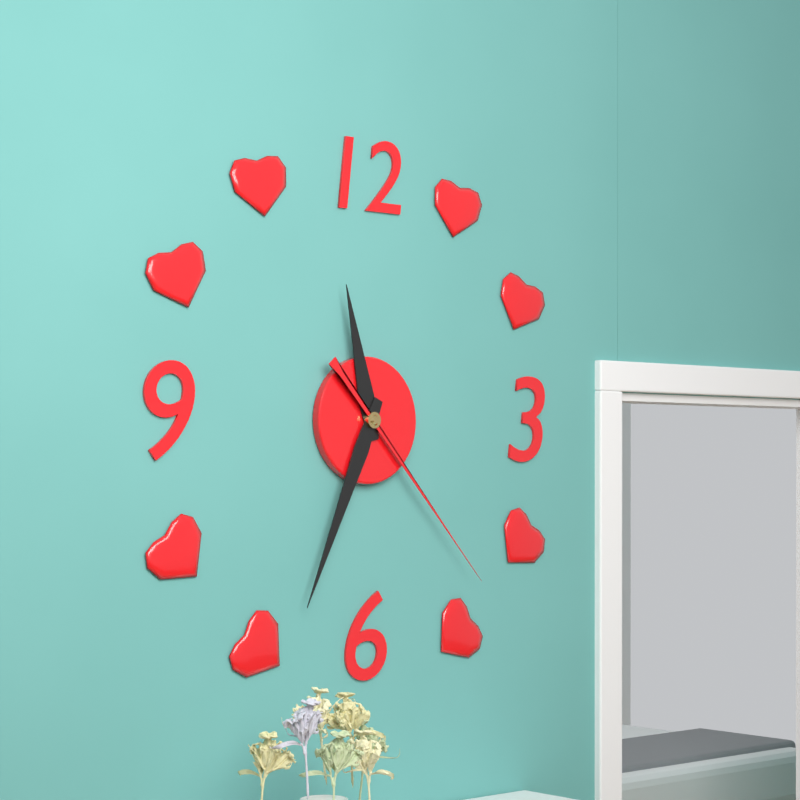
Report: h=11 m=34 s=23
